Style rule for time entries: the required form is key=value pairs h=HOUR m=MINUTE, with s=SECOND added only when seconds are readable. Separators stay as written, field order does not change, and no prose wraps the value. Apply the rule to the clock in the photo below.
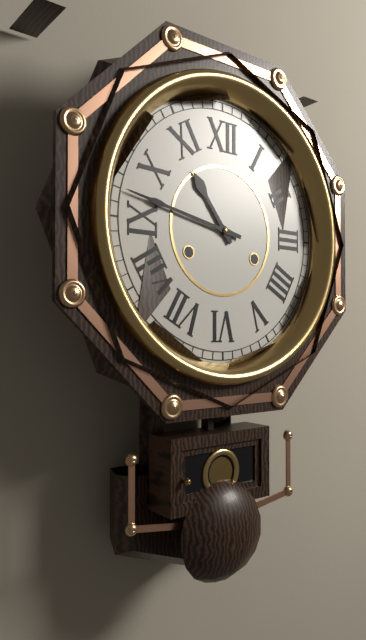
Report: h=10 m=47
